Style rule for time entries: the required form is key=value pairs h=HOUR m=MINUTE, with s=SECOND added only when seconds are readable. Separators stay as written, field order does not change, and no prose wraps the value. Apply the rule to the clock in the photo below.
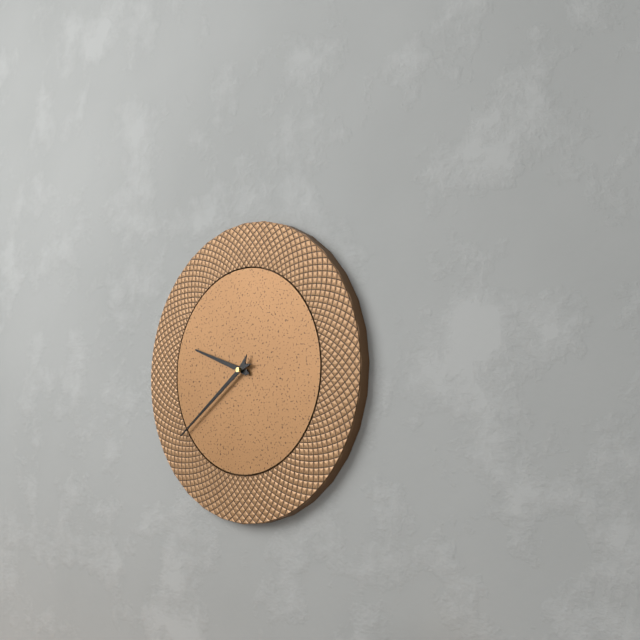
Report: h=9 m=39
